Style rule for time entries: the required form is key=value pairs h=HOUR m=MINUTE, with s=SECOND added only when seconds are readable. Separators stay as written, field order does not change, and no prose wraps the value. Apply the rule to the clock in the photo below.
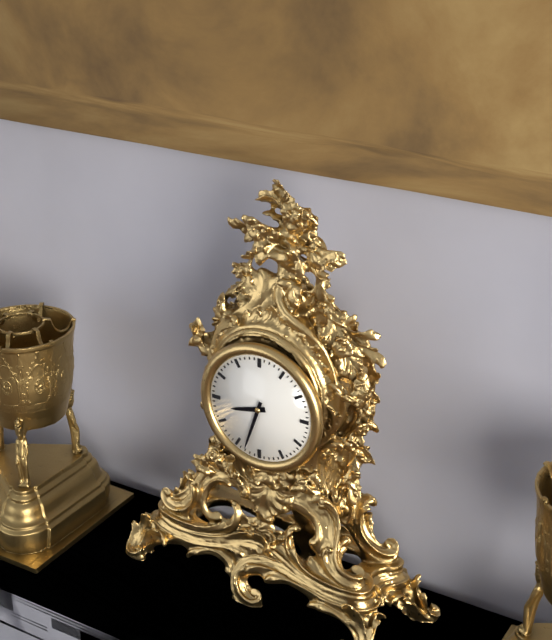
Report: h=8 m=33
